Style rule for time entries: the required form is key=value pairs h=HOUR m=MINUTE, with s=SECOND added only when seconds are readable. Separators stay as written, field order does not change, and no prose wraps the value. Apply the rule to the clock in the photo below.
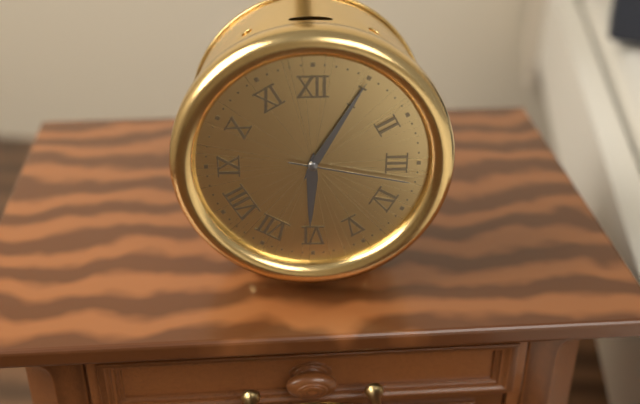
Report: h=6 m=5 s=17
